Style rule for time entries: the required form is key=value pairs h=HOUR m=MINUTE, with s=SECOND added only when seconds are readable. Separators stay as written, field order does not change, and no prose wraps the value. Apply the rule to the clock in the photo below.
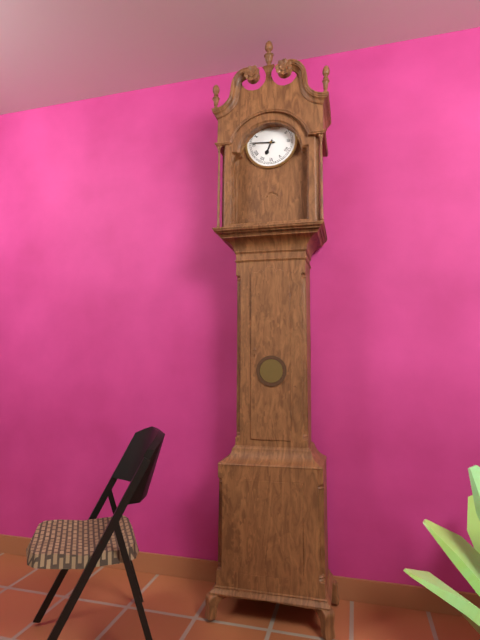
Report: h=6 m=46
